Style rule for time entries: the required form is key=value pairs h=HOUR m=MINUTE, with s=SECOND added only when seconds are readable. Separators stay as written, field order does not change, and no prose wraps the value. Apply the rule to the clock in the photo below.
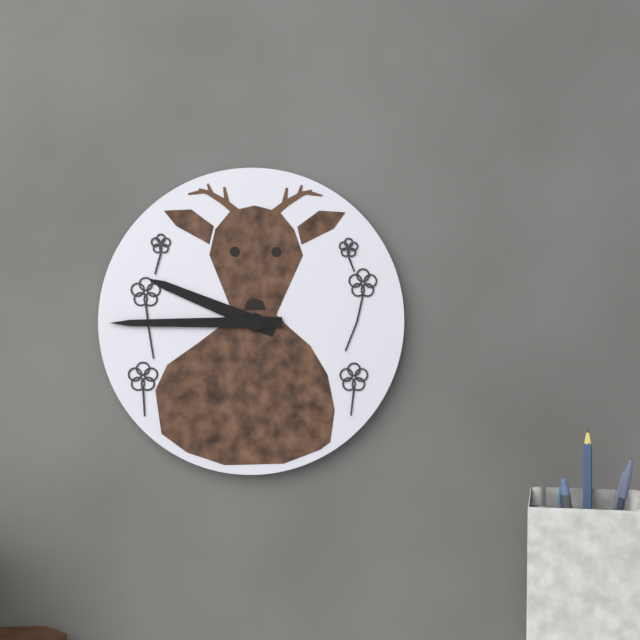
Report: h=9 m=45
